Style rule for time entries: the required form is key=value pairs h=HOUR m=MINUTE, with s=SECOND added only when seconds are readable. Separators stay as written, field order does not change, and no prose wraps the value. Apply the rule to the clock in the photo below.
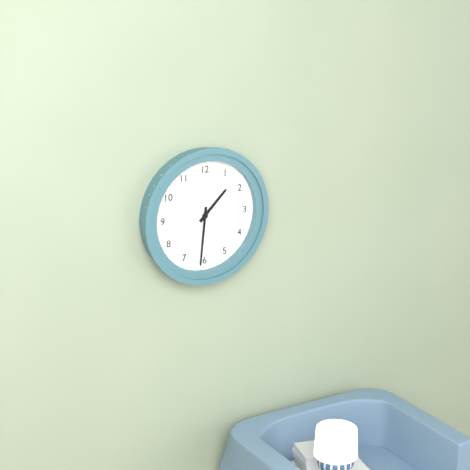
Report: h=1 m=31
